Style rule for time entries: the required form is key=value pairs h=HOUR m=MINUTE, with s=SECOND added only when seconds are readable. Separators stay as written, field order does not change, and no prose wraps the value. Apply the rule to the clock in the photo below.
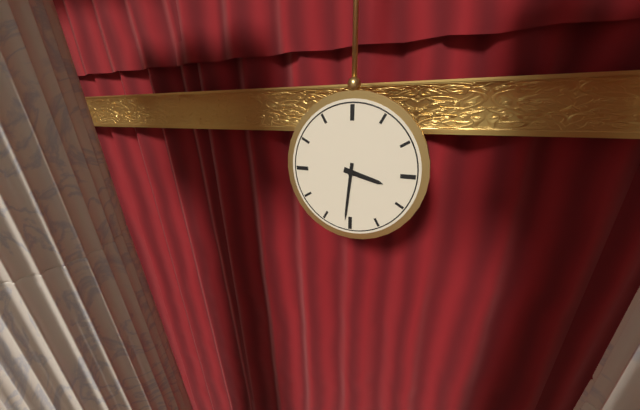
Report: h=3 m=31
